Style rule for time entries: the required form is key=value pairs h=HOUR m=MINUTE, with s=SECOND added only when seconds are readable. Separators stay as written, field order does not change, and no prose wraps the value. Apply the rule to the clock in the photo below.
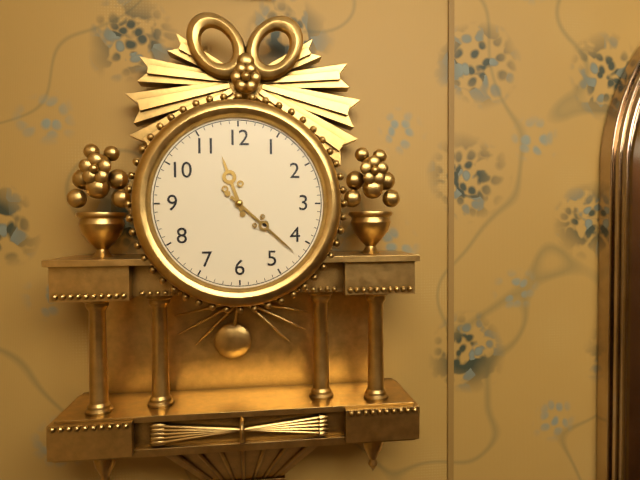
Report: h=11 m=22
